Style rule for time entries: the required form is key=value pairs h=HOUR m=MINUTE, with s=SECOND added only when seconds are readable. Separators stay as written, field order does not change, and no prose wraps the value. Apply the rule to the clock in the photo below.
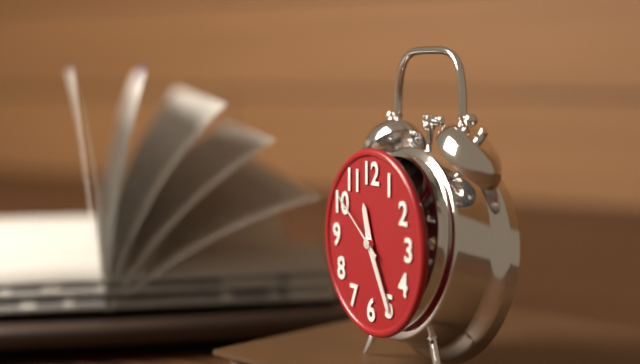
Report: h=11 m=25 s=51
